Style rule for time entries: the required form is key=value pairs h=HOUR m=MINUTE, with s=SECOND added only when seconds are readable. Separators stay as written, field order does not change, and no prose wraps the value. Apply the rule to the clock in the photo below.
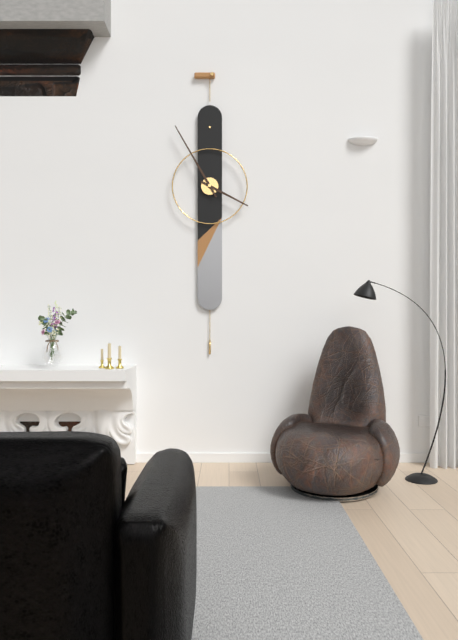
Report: h=3 m=55
